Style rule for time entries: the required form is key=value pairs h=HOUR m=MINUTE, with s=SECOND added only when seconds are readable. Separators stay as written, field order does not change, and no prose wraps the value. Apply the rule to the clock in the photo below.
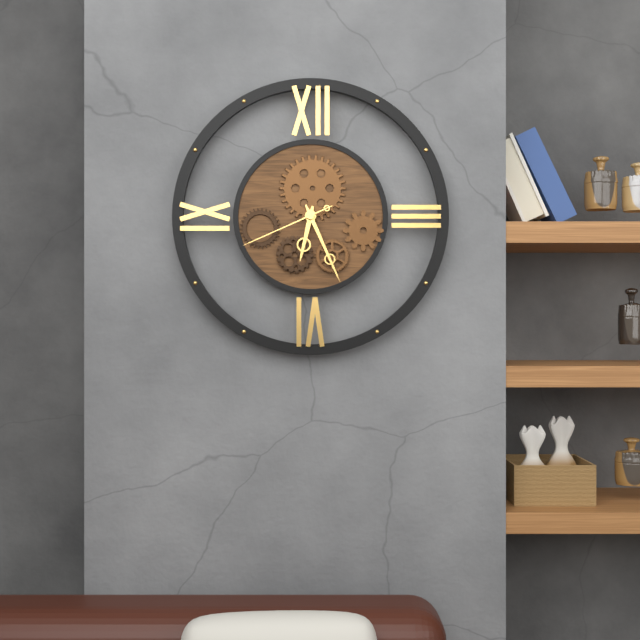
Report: h=6 m=26 s=41
